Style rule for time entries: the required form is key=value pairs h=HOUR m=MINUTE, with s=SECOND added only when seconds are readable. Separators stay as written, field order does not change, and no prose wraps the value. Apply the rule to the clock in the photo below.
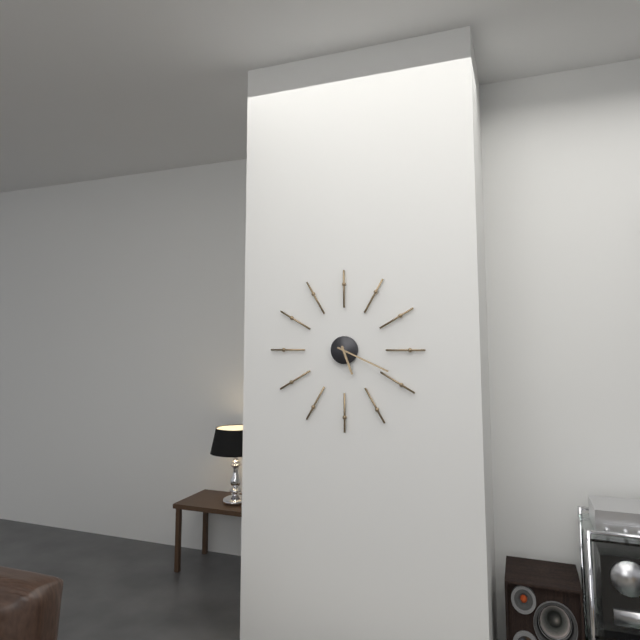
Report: h=5 m=19
